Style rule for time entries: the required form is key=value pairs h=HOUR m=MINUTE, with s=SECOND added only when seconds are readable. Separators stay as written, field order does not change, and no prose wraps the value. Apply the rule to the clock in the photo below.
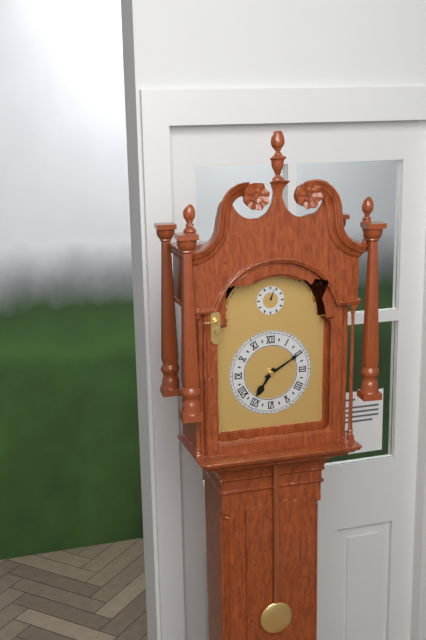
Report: h=7 m=10
